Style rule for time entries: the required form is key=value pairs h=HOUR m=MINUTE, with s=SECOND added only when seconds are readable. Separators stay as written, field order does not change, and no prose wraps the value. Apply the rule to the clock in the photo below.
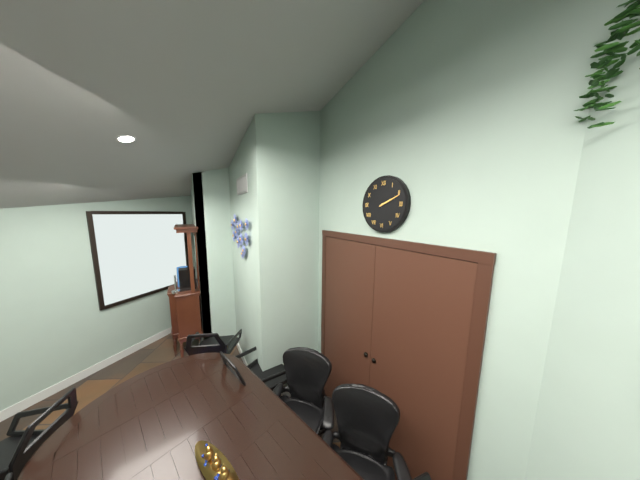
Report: h=2 m=11
